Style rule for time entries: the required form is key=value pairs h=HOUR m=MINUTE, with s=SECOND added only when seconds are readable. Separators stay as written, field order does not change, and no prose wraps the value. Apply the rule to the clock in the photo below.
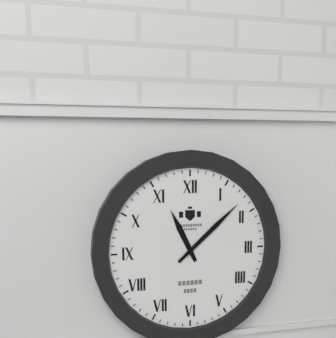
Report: h=11 m=8
